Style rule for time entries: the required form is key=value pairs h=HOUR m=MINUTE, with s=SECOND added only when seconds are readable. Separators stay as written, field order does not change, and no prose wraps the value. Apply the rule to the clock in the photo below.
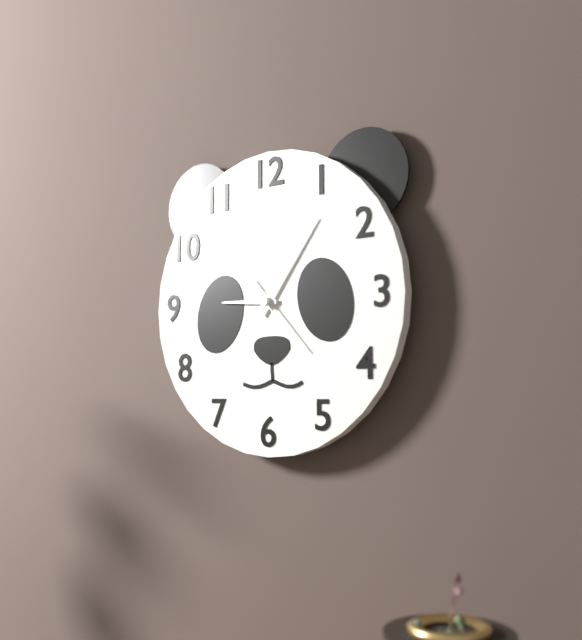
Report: h=9 m=6 s=23
